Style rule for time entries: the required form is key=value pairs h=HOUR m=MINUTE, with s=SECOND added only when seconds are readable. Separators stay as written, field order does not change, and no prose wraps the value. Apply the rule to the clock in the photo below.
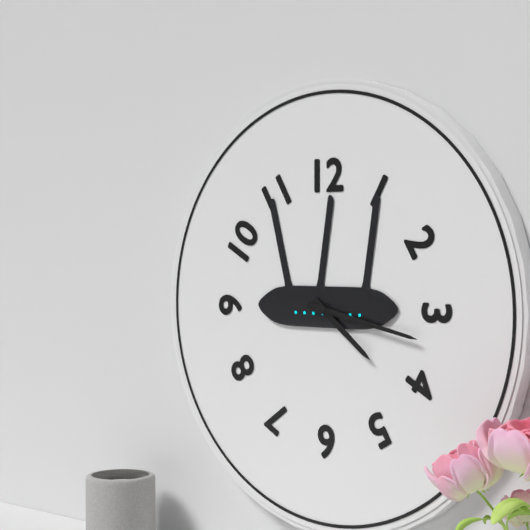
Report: h=4 m=17
